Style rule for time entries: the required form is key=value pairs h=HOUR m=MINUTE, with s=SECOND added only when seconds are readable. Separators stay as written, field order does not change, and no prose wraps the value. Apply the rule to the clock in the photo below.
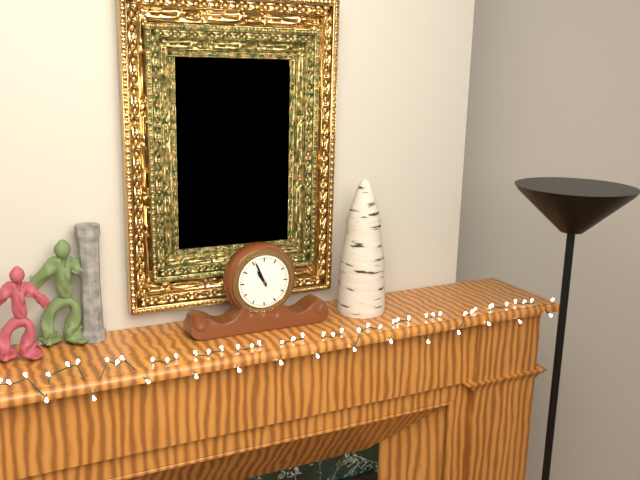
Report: h=10 m=56
